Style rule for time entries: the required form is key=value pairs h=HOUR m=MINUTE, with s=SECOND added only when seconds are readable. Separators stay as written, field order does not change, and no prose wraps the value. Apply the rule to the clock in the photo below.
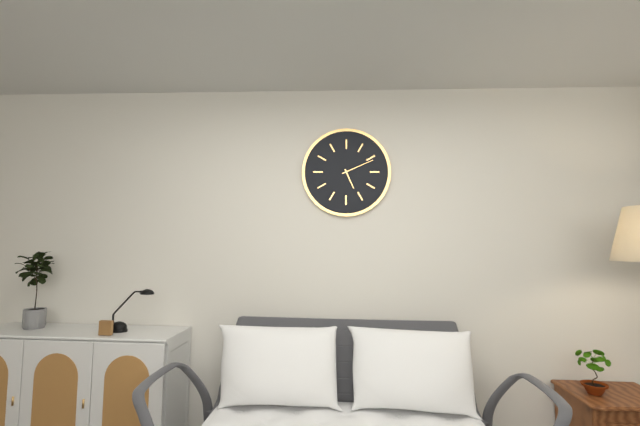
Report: h=5 m=11
